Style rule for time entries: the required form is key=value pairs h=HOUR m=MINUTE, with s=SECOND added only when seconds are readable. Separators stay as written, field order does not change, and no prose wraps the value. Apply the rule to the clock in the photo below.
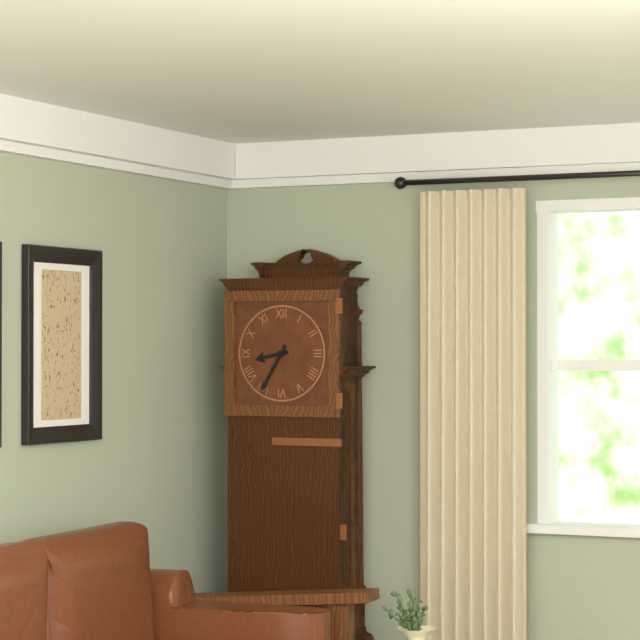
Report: h=8 m=35
